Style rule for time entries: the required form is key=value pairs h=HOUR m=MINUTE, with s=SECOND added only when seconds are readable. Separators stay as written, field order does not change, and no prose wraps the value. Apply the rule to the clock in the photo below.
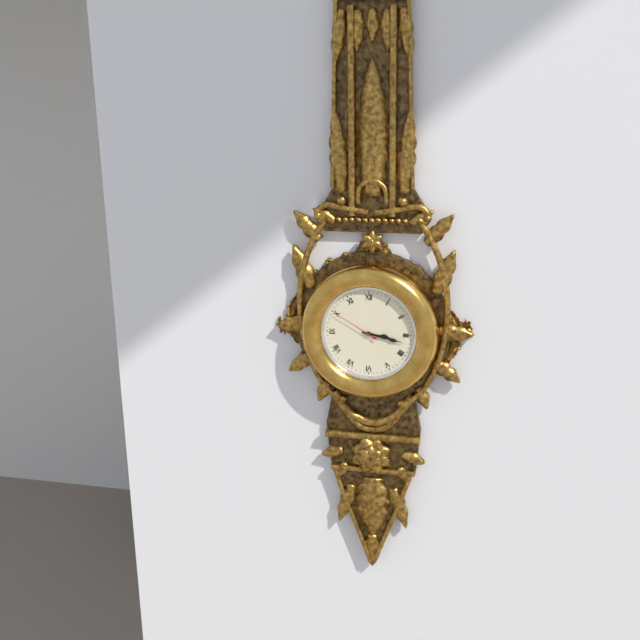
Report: h=3 m=17 s=50
